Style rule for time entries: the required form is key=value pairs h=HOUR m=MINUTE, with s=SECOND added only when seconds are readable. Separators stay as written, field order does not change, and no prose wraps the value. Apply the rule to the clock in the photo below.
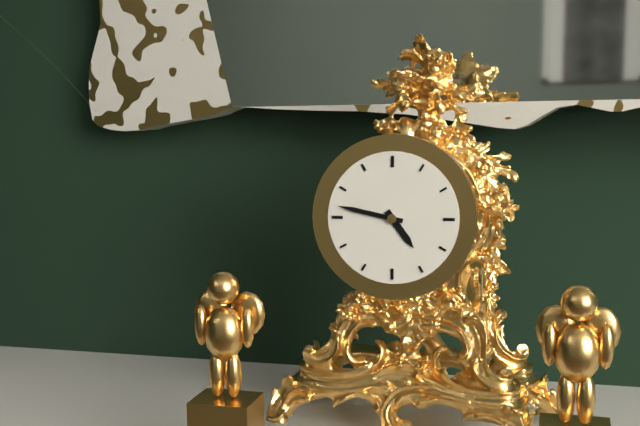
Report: h=4 m=47
